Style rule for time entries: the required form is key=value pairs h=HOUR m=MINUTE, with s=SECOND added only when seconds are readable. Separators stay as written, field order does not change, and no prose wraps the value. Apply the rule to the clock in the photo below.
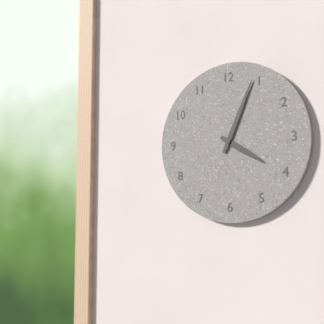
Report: h=4 m=4
